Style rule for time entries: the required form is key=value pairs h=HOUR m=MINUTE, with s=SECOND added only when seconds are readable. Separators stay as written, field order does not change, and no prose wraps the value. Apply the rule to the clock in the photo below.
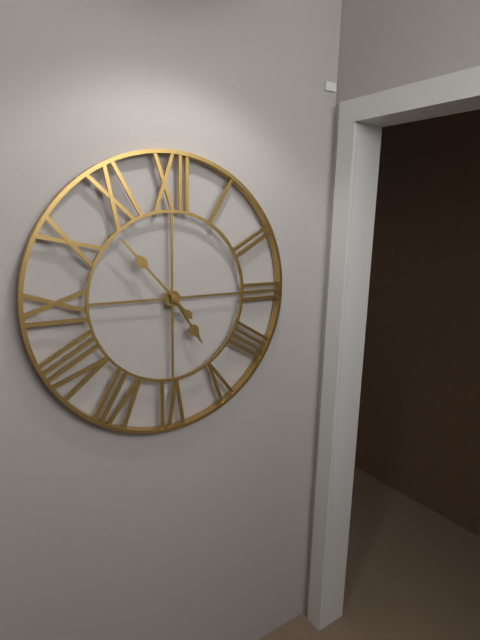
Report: h=4 m=53
